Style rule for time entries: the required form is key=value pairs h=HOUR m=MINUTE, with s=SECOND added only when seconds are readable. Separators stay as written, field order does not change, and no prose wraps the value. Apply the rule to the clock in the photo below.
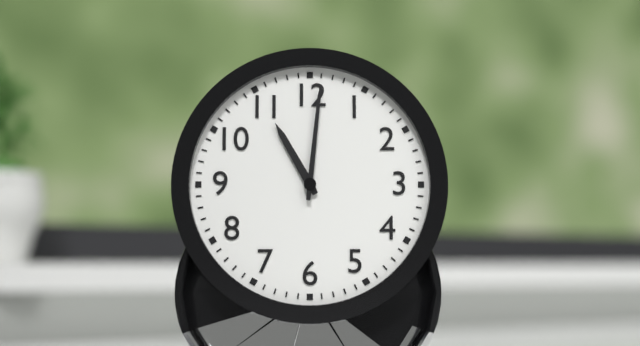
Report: h=11 m=1
